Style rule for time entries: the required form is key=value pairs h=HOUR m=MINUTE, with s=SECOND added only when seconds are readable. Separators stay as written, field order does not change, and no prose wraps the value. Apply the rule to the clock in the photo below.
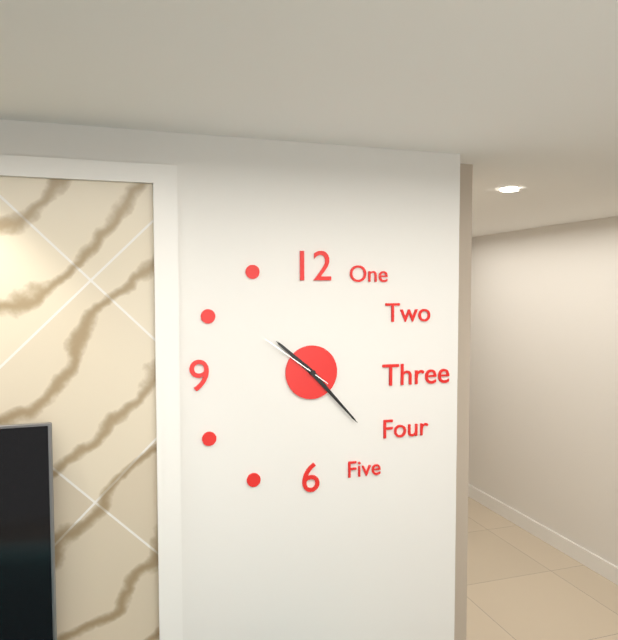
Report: h=10 m=23 s=51
